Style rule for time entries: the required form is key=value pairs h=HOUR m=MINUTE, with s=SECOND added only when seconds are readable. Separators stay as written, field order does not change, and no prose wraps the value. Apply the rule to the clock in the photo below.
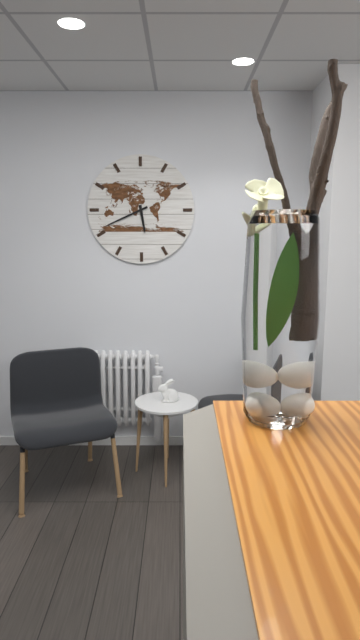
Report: h=5 m=41
